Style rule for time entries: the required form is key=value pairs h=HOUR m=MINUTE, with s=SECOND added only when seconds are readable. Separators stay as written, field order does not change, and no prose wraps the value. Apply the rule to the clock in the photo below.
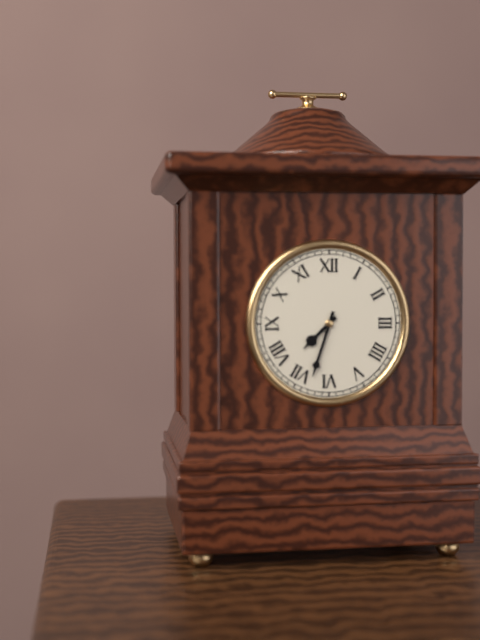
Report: h=7 m=33
